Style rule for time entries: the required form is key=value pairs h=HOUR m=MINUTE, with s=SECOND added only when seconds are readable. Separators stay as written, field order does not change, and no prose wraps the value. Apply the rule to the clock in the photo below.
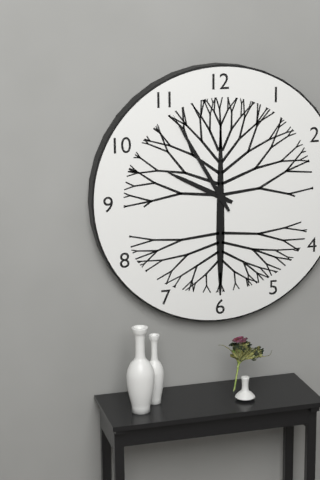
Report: h=9 m=55
